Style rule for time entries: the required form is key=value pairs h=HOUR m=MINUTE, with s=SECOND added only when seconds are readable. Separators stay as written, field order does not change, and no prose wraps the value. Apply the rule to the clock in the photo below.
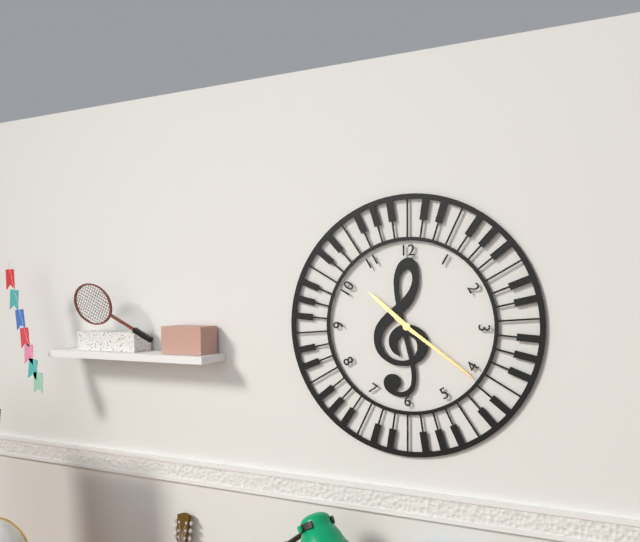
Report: h=10 m=21
